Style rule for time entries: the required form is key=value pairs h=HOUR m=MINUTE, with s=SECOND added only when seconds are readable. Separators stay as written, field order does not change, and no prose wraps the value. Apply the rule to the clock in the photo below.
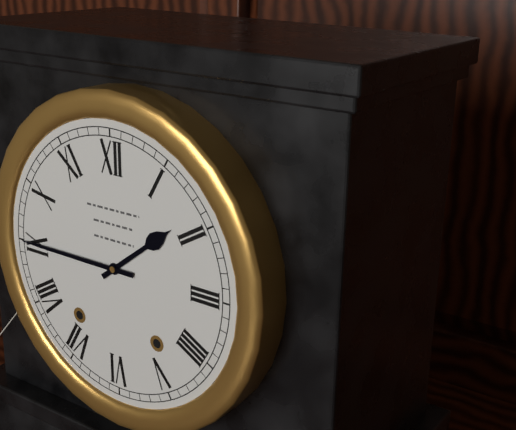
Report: h=1 m=45
